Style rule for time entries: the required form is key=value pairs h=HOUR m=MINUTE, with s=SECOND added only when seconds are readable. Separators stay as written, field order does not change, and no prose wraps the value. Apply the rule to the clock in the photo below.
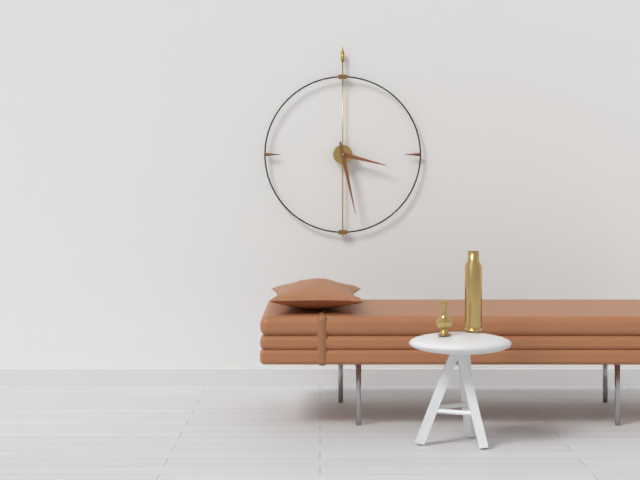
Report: h=3 m=28
